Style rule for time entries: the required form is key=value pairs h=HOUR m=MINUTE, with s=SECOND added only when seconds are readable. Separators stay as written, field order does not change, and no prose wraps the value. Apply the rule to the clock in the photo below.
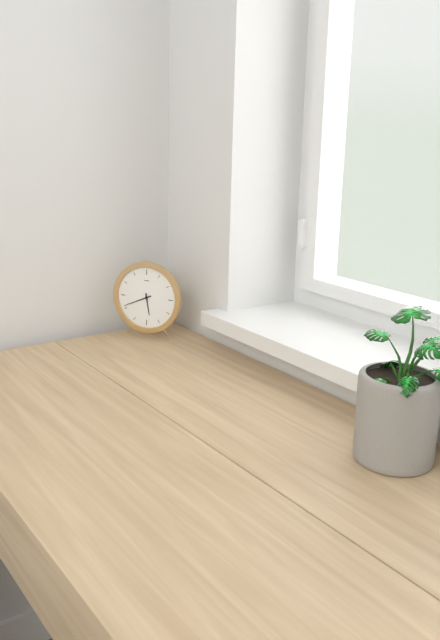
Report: h=5 m=41
